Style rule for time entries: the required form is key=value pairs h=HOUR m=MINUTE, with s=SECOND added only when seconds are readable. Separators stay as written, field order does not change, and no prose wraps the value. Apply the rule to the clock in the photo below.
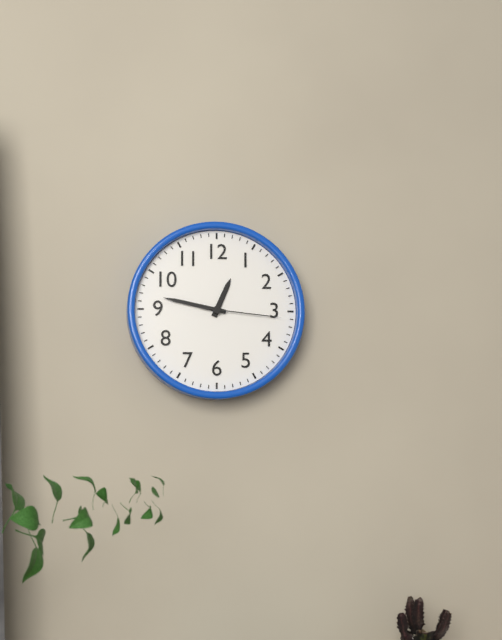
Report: h=12 m=47 s=16
